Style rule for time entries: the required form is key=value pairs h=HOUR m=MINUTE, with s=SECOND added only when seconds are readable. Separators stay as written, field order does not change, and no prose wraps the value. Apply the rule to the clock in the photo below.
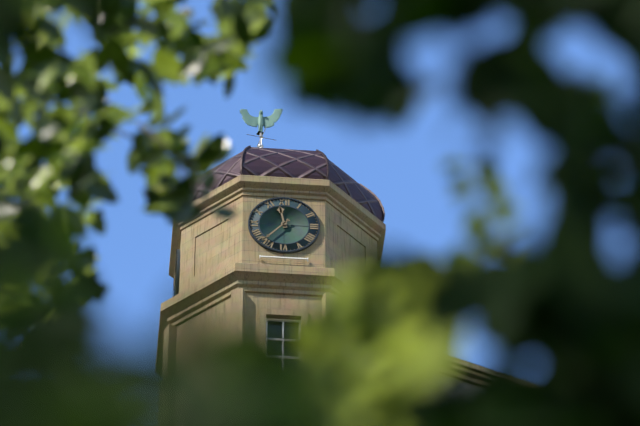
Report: h=11 m=37
